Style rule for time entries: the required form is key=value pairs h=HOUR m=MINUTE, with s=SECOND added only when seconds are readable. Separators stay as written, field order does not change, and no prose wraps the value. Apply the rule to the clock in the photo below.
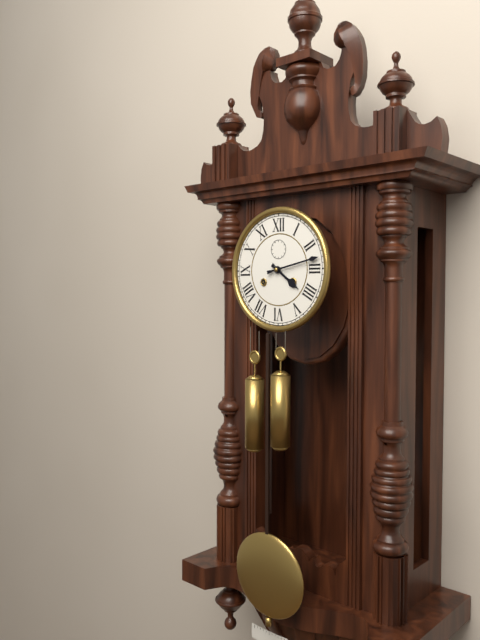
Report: h=4 m=13
